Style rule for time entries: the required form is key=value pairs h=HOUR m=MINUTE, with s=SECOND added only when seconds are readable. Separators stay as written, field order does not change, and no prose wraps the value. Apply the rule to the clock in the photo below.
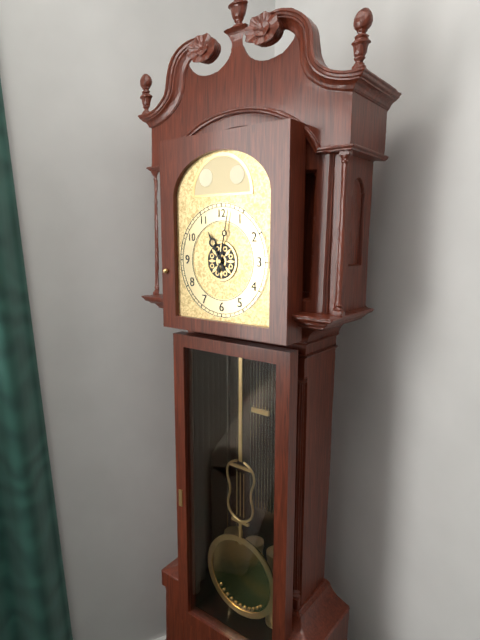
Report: h=11 m=2
